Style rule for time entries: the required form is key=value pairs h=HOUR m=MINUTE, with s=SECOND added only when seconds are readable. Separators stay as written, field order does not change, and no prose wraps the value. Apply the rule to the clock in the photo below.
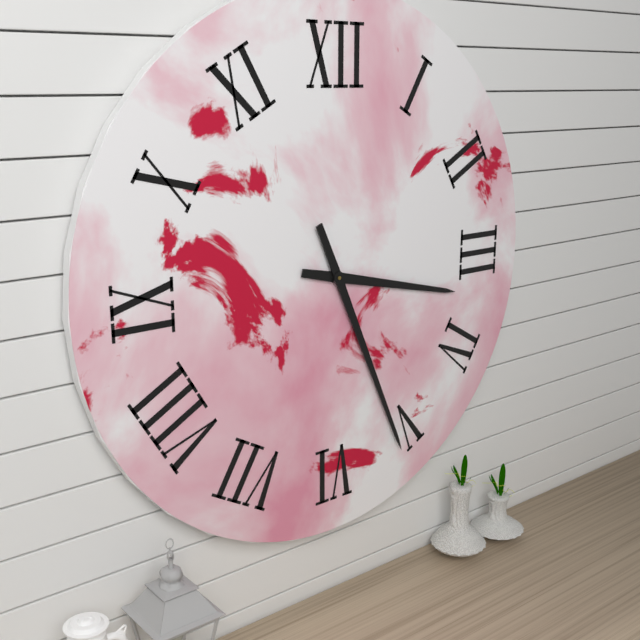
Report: h=3 m=26
